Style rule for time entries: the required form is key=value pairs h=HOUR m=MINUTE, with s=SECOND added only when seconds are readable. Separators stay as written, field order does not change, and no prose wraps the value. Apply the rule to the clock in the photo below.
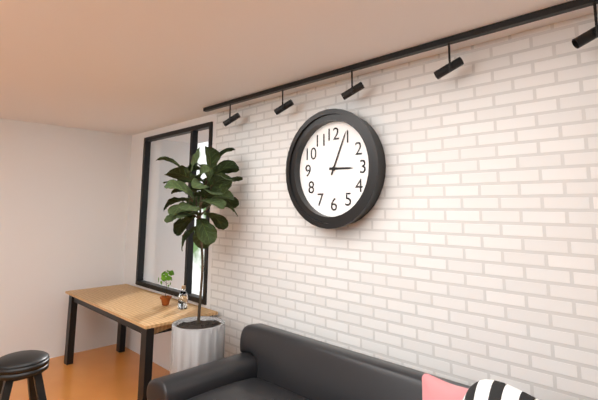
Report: h=3 m=4
